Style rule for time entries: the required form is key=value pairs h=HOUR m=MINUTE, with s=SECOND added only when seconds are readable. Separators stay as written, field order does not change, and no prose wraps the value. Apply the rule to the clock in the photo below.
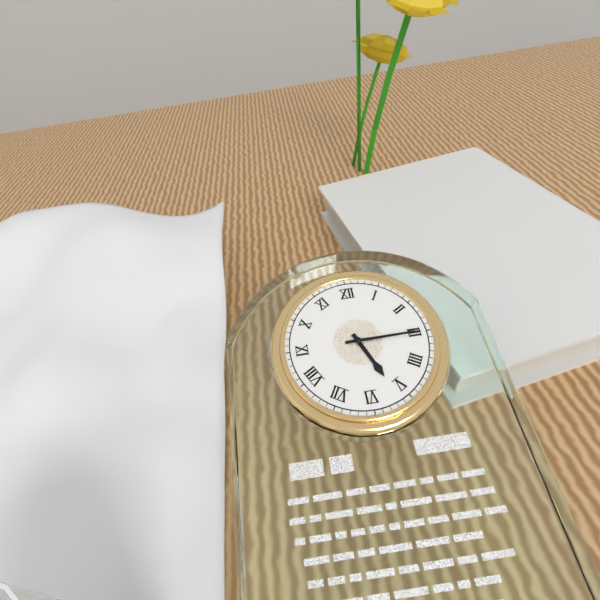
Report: h=5 m=15
